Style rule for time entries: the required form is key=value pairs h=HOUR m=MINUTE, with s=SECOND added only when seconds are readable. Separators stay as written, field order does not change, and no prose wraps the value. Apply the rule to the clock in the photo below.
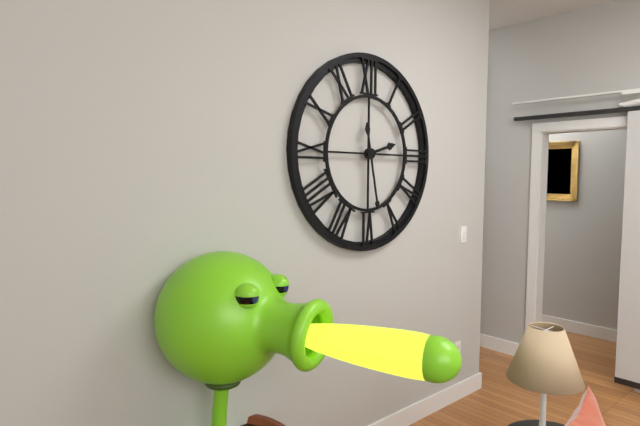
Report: h=2 m=28
